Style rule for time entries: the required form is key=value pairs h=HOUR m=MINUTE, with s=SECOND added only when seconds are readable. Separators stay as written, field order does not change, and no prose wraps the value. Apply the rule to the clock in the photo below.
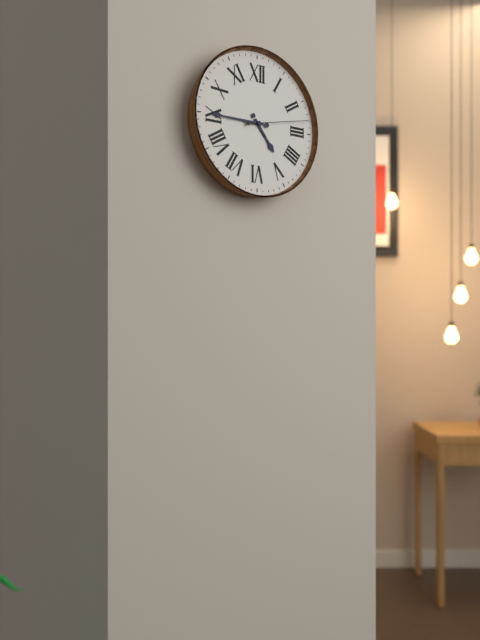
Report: h=4 m=45 s=13
